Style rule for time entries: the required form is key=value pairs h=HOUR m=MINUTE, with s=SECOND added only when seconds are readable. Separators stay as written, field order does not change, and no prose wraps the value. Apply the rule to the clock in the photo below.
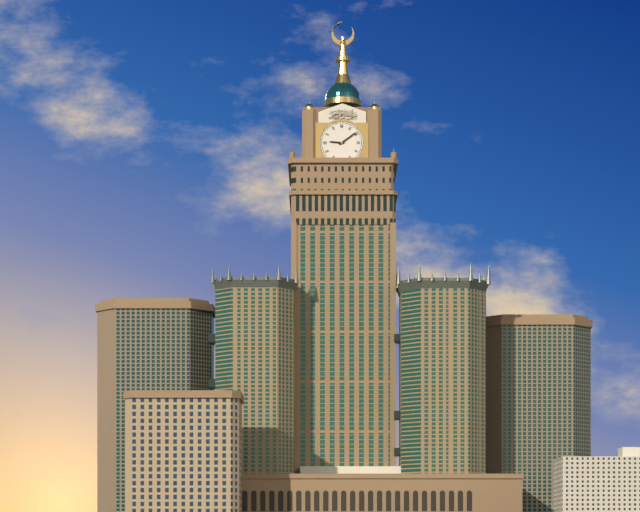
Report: h=9 m=9
